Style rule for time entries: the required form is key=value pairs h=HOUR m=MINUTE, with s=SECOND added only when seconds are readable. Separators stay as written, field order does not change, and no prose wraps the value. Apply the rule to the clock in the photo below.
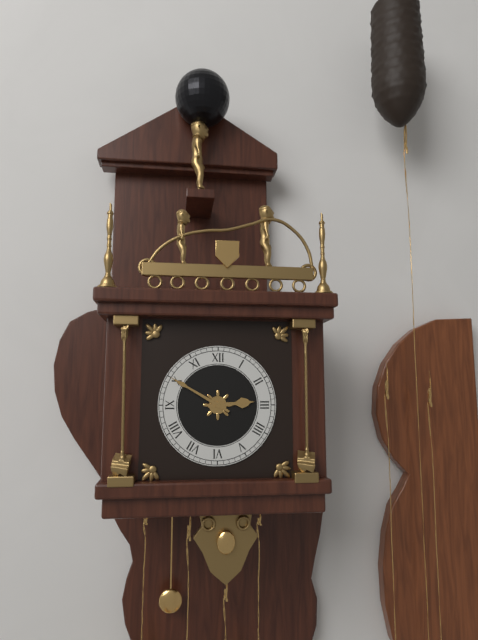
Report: h=2 m=50
